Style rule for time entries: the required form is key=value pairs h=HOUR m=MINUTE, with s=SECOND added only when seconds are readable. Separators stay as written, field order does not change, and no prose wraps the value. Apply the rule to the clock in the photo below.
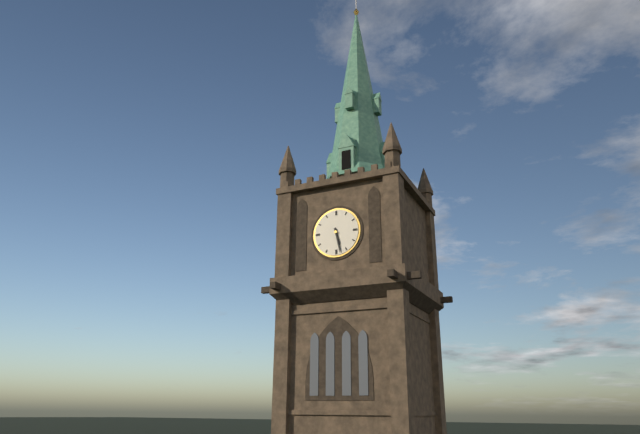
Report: h=5 m=28
